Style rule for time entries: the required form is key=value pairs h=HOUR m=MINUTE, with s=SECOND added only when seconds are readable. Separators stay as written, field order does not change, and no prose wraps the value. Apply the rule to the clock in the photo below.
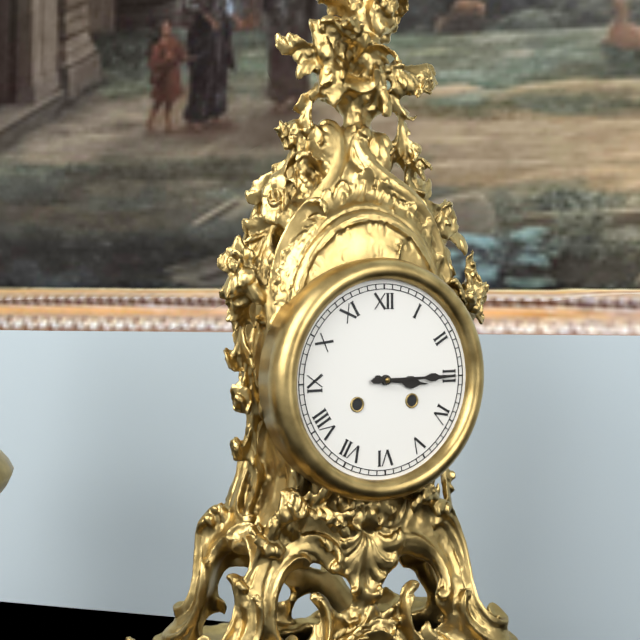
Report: h=3 m=15
